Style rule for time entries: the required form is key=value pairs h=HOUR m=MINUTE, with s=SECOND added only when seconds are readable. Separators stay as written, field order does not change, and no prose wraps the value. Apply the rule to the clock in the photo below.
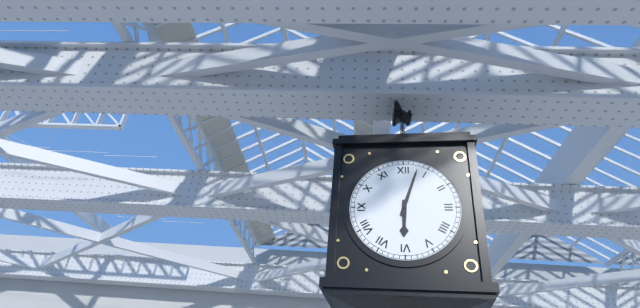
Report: h=6 m=3
